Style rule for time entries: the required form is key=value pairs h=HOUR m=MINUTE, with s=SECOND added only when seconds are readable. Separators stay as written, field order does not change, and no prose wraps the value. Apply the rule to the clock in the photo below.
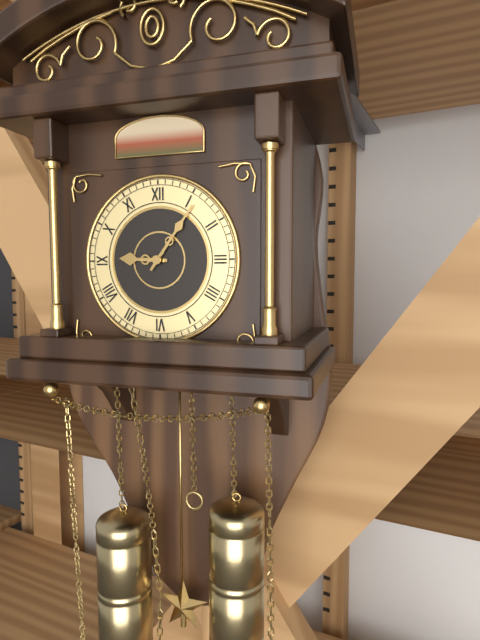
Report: h=9 m=6
